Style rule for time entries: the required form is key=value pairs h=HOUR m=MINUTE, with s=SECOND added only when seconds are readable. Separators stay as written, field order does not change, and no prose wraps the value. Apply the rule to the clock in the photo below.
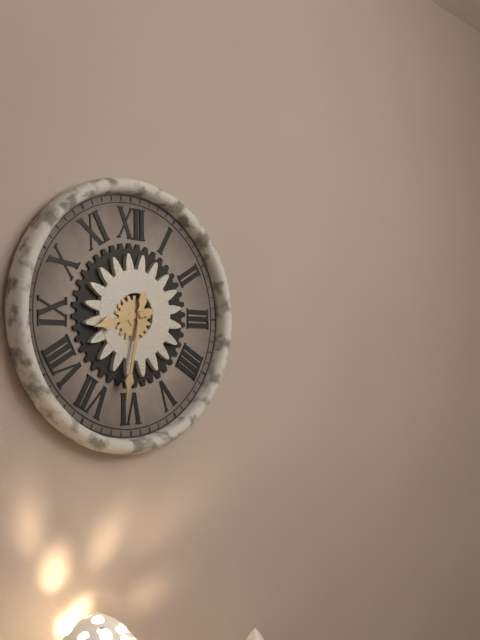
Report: h=8 m=32
